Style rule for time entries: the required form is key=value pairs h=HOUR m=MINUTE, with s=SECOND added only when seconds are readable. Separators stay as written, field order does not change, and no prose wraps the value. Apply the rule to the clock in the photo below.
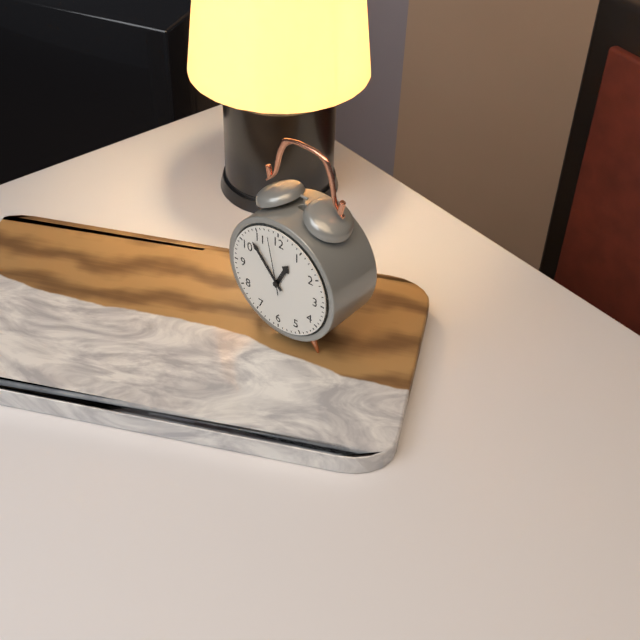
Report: h=12 m=53 s=58
